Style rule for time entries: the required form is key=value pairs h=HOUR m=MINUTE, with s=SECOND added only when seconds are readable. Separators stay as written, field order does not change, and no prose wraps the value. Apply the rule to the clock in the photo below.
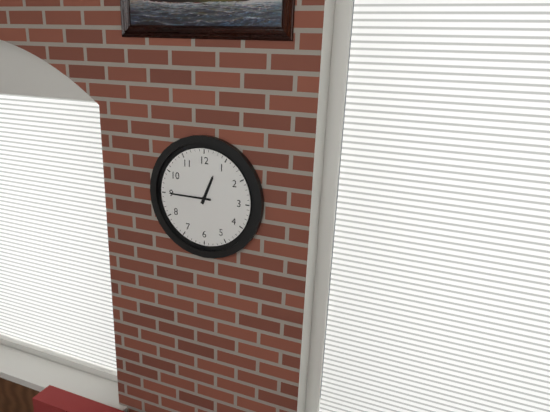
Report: h=12 m=45
